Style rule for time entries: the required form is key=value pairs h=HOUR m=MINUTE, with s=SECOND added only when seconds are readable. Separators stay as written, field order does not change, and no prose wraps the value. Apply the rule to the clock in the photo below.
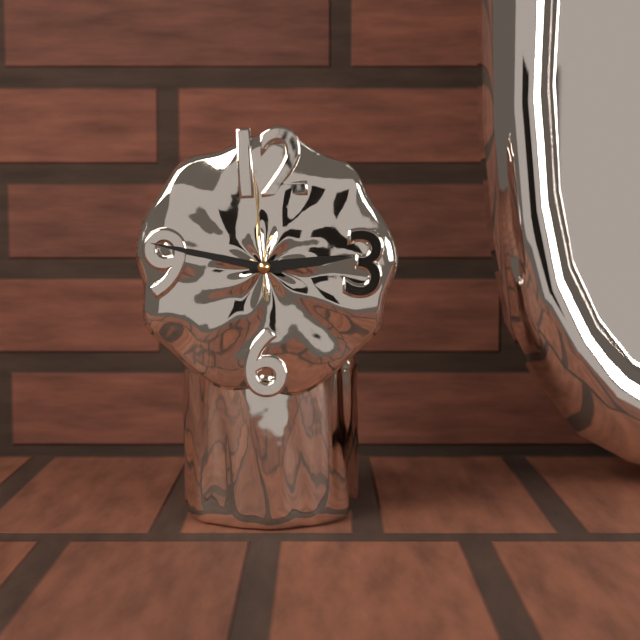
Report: h=2 m=47 s=59
